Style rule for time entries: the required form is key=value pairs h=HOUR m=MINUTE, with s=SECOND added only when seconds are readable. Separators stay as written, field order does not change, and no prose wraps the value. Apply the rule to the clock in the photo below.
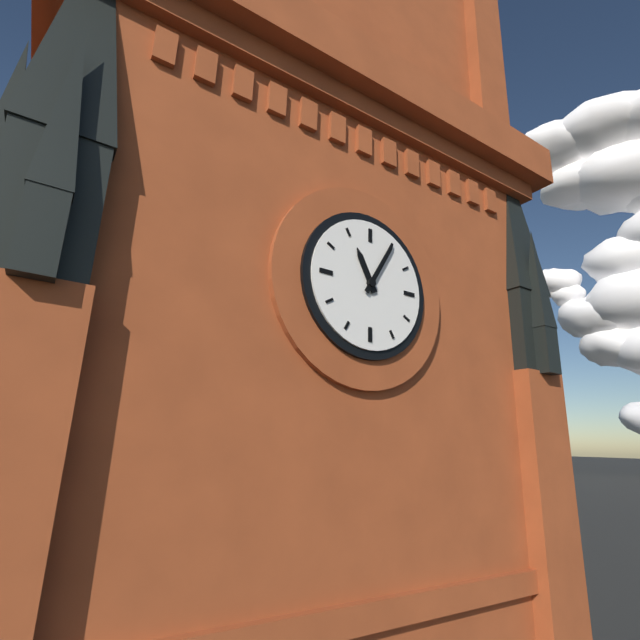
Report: h=11 m=5
